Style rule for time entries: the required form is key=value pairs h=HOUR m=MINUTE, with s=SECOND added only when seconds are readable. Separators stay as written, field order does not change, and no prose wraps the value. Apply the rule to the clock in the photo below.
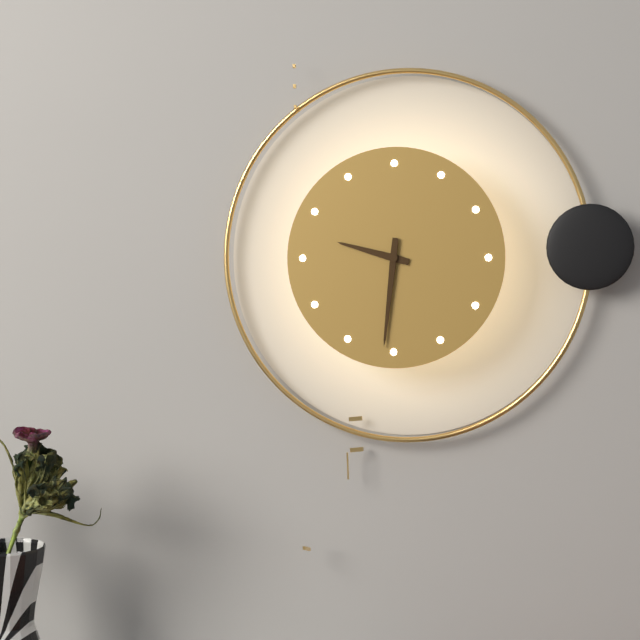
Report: h=9 m=31
